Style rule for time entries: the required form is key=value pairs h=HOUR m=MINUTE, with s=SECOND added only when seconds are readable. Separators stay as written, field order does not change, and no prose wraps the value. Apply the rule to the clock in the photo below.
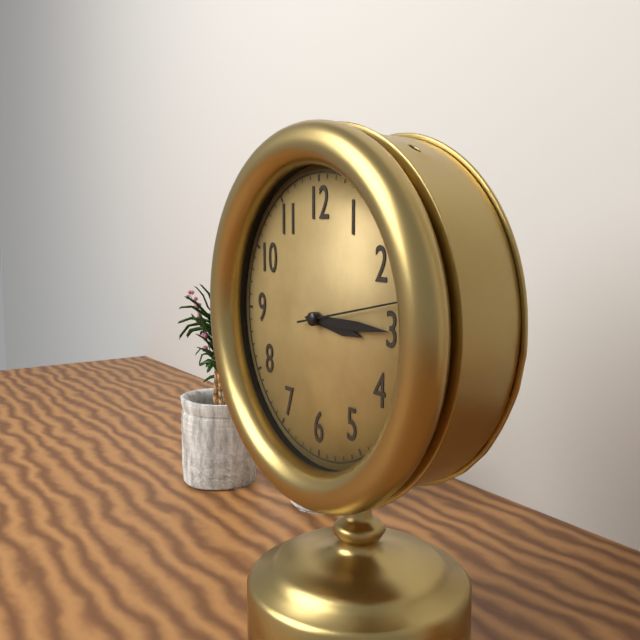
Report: h=3 m=15 s=13
